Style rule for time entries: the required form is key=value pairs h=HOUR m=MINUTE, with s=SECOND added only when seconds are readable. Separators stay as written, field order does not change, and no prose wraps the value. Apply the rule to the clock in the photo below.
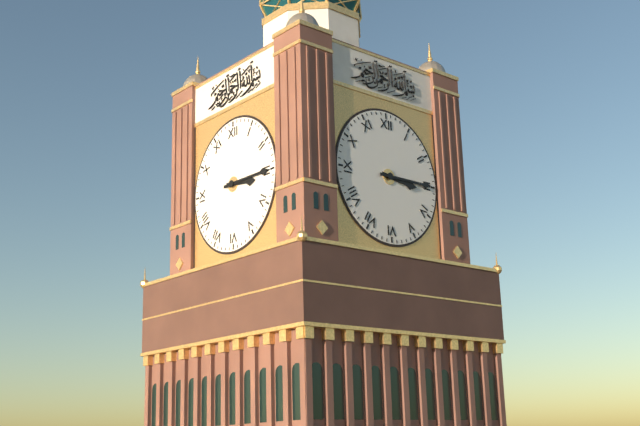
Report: h=3 m=15
